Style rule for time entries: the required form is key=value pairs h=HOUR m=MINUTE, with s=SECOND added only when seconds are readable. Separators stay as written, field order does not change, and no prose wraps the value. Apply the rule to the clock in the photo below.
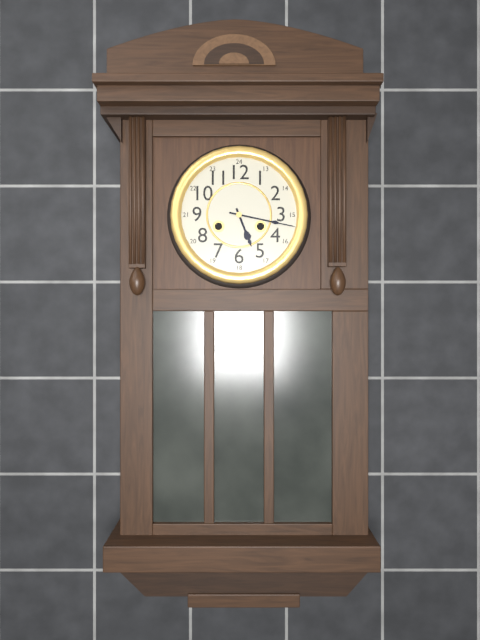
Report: h=5 m=17
